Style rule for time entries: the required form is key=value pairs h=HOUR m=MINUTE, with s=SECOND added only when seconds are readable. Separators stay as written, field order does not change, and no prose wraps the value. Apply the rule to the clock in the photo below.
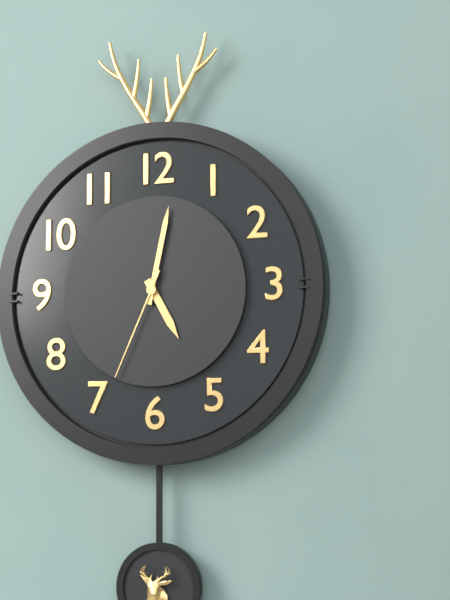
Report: h=5 m=2 s=34
